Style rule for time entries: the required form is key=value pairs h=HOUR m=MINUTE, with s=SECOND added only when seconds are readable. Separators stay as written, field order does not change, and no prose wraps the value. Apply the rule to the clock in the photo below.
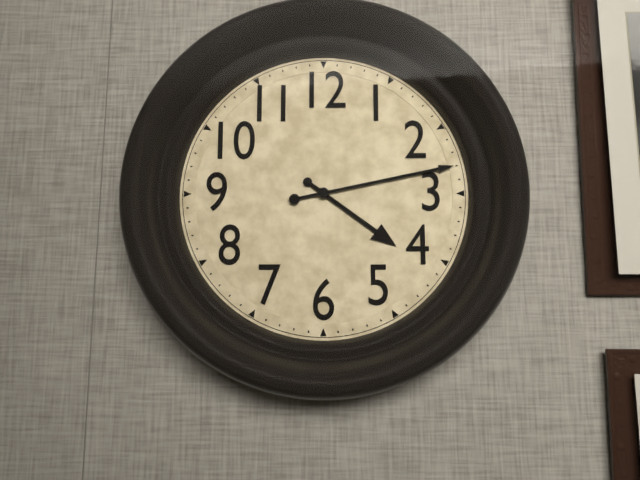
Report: h=4 m=13
